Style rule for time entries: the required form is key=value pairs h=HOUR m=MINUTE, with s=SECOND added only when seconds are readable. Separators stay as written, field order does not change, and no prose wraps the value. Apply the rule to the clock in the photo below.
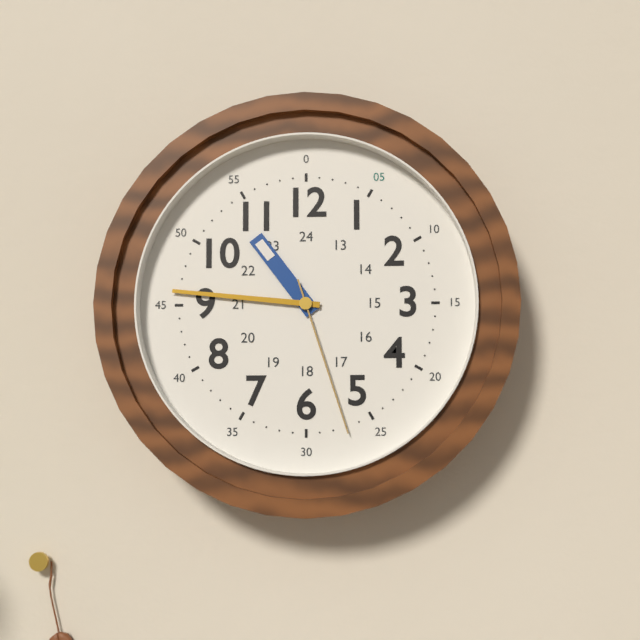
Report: h=10 m=46 s=27
